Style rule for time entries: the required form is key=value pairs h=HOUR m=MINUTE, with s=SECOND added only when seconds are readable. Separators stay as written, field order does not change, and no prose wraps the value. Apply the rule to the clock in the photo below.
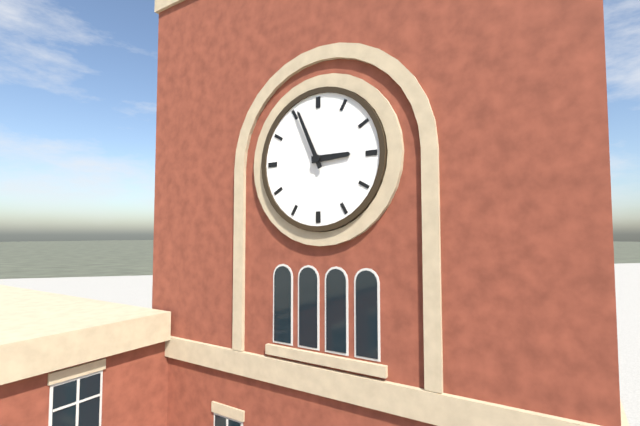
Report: h=2 m=56
